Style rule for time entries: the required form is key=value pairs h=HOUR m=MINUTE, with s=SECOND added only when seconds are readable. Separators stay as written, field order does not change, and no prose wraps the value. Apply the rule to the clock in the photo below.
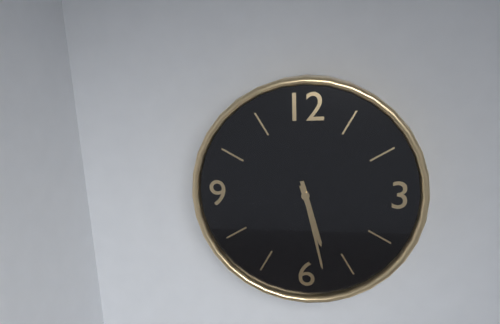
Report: h=5 m=28
